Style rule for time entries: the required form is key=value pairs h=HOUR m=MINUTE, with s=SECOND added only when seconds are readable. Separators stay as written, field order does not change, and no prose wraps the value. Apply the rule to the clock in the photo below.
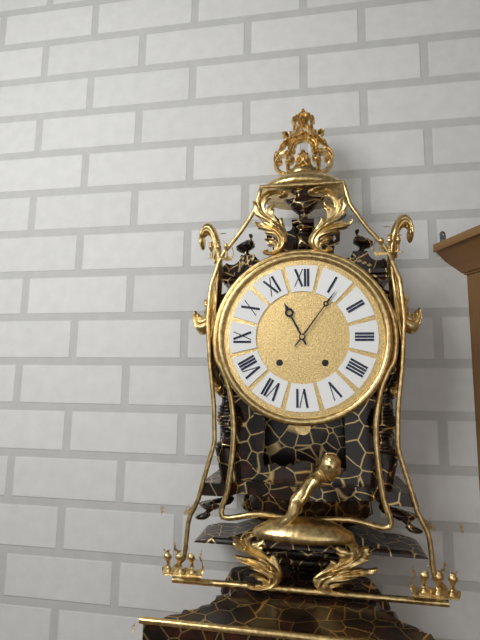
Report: h=11 m=6
